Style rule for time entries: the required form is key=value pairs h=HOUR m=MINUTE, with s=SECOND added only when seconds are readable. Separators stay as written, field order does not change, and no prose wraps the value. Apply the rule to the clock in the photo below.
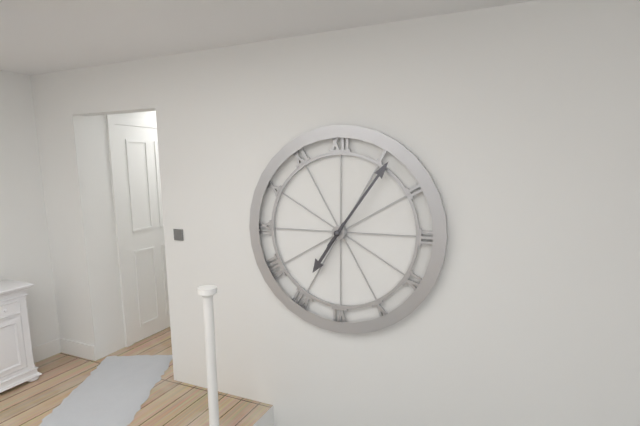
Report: h=7 m=6
